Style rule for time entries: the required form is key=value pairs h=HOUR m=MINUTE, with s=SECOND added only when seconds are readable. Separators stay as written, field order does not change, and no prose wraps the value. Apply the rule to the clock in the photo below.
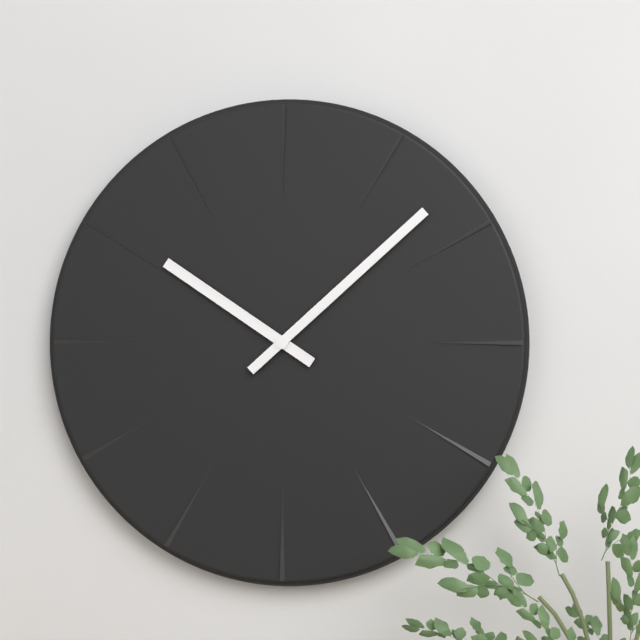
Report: h=10 m=8
